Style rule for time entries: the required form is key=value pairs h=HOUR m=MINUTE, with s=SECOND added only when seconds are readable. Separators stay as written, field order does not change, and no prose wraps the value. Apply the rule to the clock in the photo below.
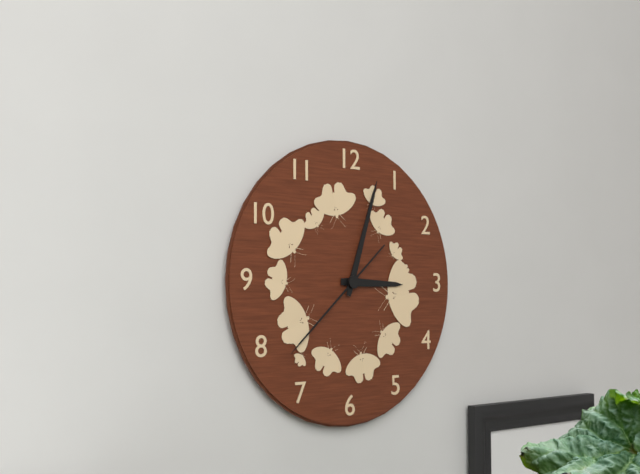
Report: h=3 m=3 s=38
